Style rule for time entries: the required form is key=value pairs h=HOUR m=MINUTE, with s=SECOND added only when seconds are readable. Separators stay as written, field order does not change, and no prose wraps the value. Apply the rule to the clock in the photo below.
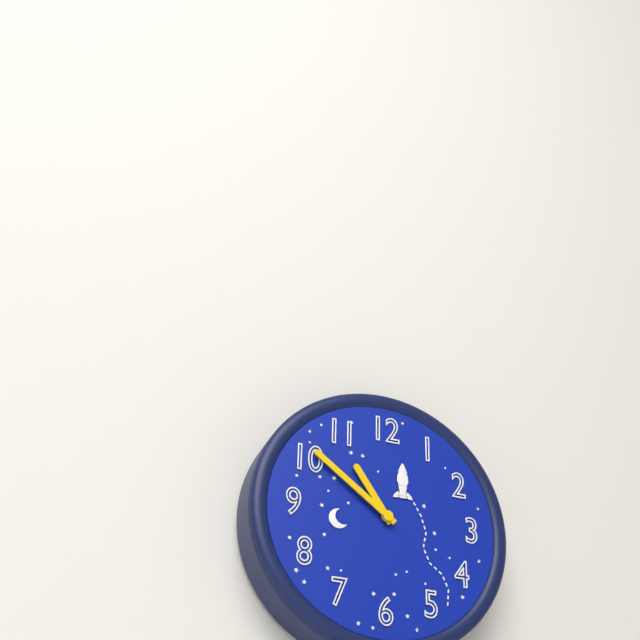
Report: h=10 m=51
